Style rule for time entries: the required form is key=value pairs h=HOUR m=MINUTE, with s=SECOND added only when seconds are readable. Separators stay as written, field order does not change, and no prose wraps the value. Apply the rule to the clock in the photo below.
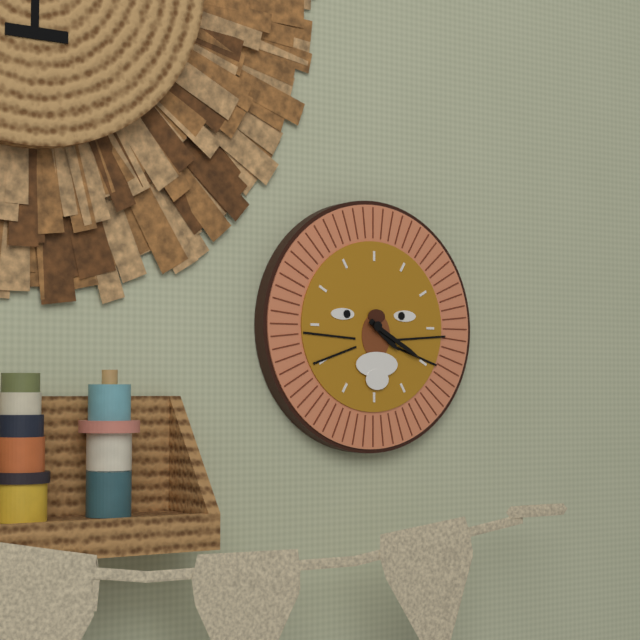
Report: h=4 m=20
